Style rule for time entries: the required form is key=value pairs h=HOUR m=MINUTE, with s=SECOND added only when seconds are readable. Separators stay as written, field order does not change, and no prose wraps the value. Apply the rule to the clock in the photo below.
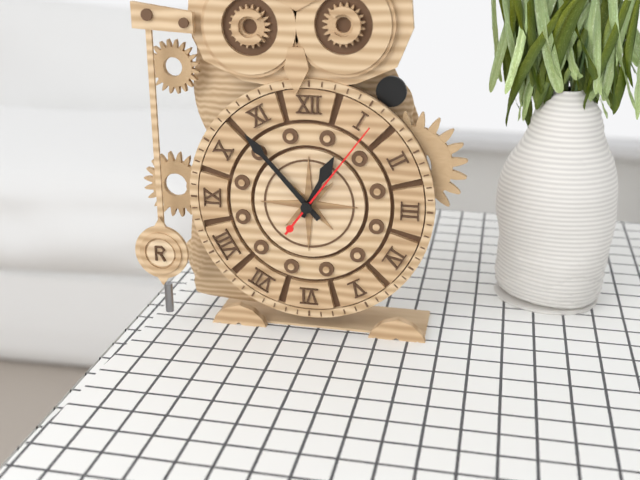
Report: h=12 m=53 s=6
